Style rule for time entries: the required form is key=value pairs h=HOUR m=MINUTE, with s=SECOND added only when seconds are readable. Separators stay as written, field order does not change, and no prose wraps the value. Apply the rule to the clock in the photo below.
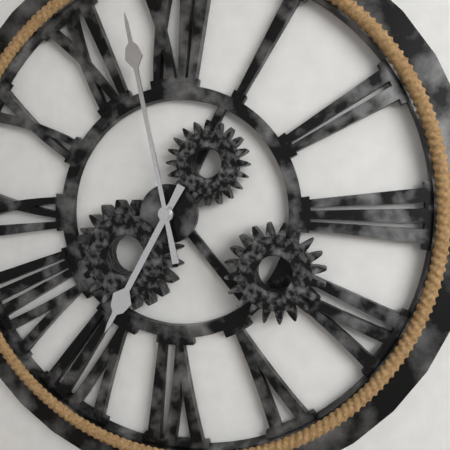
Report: h=6 m=58
